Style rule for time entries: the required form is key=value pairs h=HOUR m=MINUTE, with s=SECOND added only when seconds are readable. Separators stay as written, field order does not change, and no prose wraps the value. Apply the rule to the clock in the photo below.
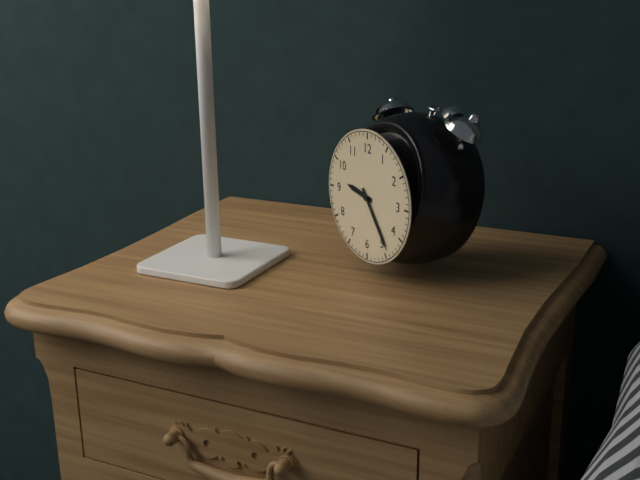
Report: h=9 m=24
